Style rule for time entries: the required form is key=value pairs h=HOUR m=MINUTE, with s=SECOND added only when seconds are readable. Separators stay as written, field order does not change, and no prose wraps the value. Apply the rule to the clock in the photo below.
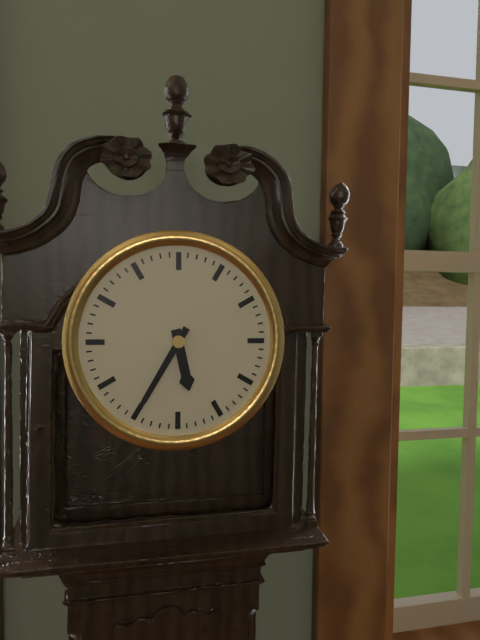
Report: h=5 m=35
